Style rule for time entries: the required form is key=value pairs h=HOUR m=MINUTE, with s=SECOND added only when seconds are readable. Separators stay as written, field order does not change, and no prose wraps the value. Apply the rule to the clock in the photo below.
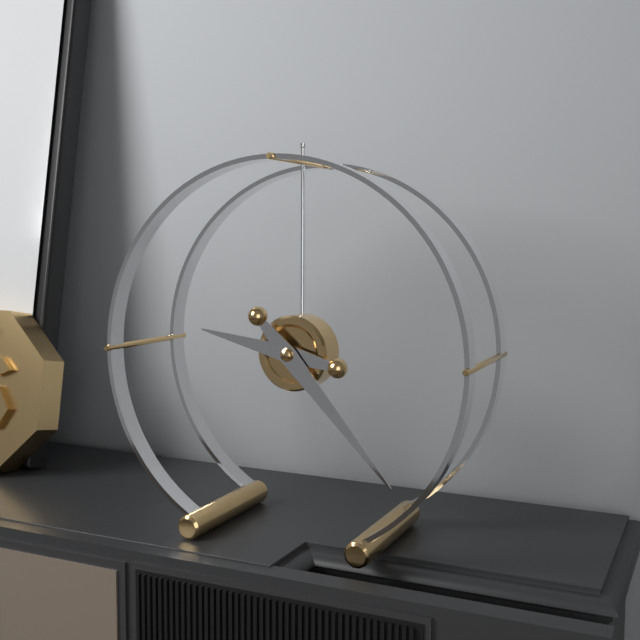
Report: h=9 m=23
